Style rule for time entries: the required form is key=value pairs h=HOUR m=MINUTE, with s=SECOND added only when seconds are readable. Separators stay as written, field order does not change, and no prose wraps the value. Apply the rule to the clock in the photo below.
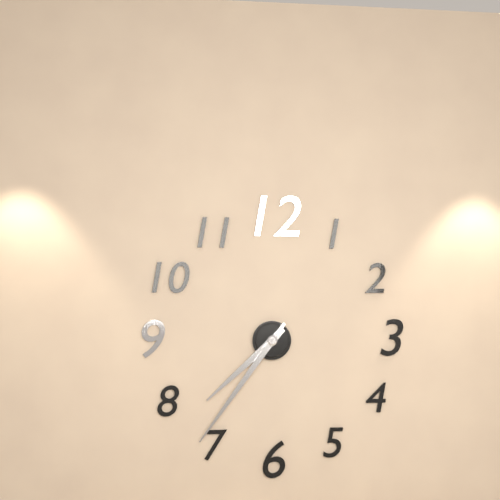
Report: h=7 m=36
